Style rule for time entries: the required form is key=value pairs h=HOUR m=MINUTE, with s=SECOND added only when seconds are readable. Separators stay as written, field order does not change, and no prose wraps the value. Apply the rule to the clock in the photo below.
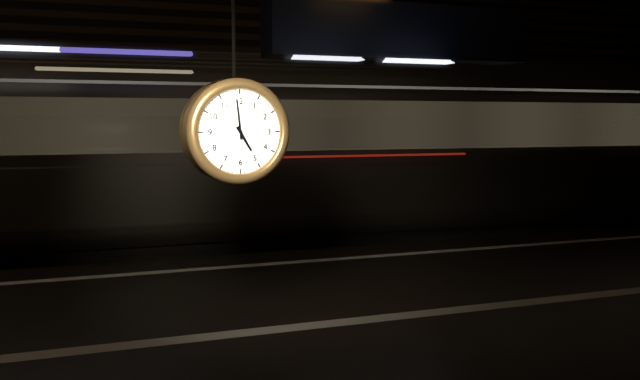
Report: h=4 m=59
